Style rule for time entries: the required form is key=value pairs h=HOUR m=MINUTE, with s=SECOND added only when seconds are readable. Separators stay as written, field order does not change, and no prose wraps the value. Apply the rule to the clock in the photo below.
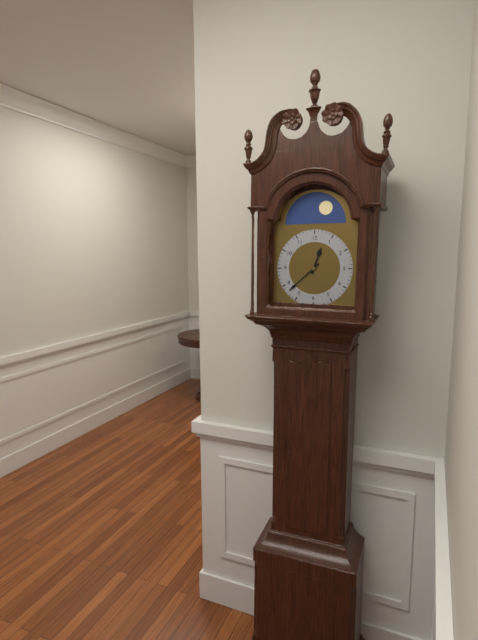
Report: h=12 m=38
